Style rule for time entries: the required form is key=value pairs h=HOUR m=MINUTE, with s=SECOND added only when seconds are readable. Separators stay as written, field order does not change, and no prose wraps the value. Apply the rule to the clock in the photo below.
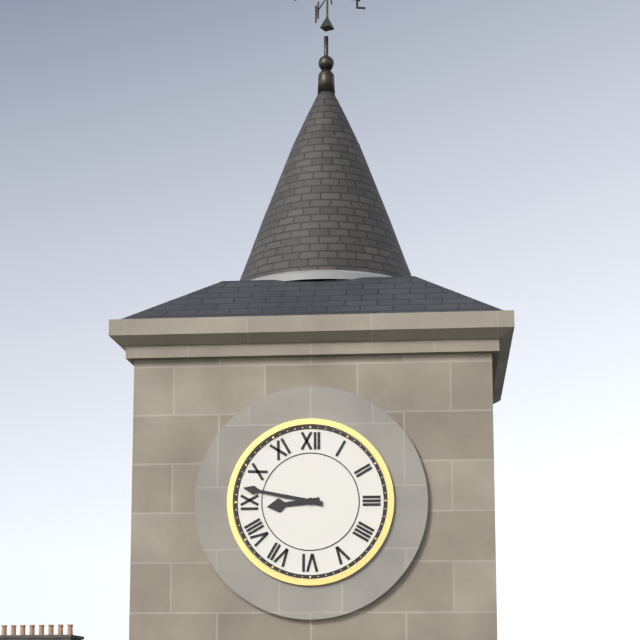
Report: h=8 m=47
